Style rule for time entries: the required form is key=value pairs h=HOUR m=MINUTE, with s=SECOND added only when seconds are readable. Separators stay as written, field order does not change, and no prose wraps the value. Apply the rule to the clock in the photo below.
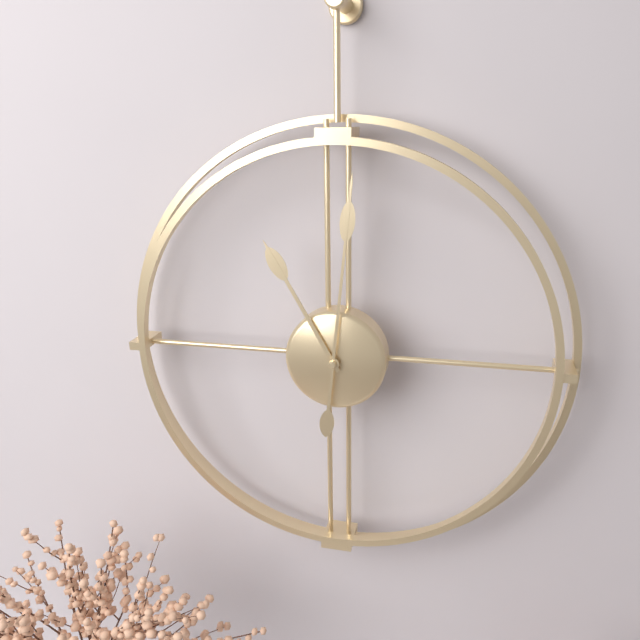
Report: h=11 m=1
